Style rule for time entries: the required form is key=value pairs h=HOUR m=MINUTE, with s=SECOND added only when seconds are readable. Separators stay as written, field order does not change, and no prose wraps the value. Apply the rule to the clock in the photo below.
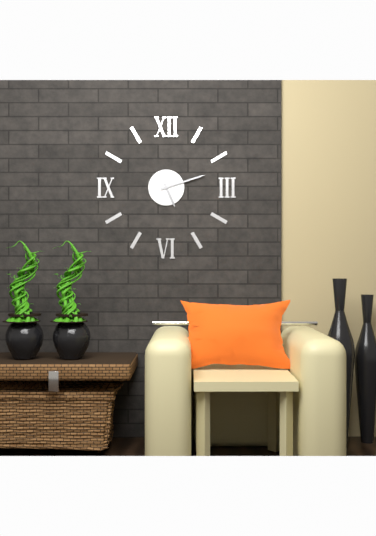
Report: h=5 m=12
